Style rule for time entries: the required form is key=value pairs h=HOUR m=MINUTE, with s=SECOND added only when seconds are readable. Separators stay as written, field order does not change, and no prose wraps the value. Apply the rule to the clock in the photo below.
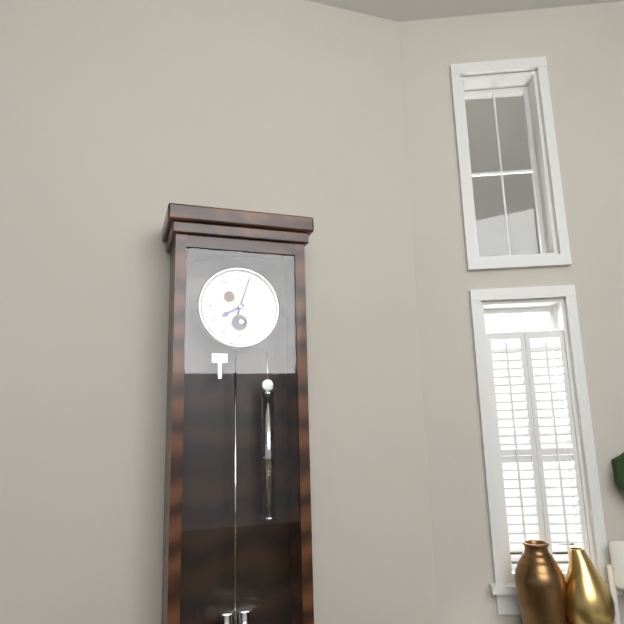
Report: h=8 m=3
